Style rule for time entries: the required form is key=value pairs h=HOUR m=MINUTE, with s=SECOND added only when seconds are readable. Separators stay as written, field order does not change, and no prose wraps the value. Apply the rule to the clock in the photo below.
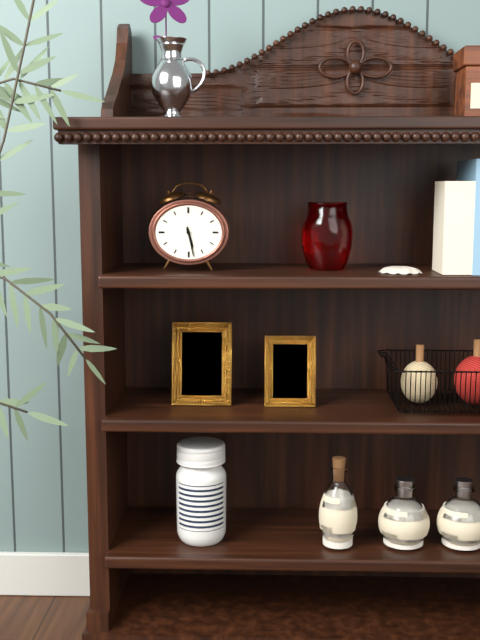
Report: h=5 m=28
